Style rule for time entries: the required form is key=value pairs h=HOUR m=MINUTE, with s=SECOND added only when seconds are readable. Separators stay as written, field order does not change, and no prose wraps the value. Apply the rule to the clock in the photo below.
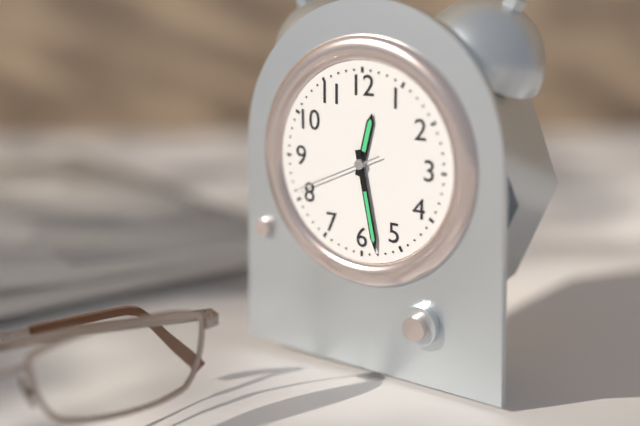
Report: h=12 m=28 s=41
